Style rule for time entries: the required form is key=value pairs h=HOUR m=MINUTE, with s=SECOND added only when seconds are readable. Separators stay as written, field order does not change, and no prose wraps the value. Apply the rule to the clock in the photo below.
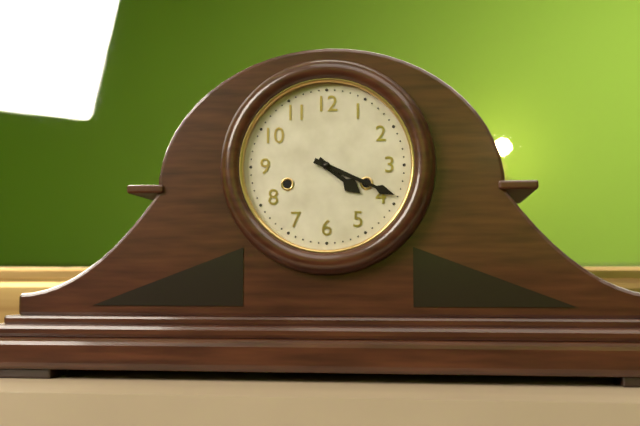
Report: h=4 m=19
